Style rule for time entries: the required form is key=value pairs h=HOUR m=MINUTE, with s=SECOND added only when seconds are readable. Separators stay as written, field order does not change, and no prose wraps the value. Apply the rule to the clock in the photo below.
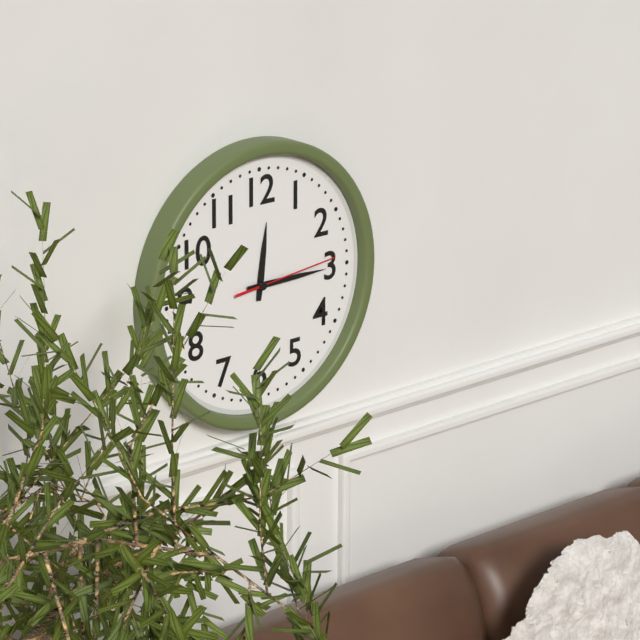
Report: h=12 m=15 s=14
